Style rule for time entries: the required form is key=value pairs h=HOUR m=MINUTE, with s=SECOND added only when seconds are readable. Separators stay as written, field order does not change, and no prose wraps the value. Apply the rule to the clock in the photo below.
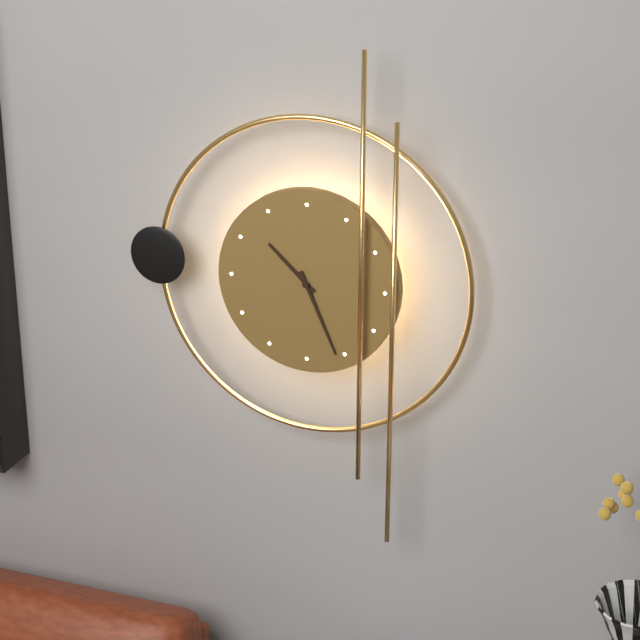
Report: h=10 m=26
